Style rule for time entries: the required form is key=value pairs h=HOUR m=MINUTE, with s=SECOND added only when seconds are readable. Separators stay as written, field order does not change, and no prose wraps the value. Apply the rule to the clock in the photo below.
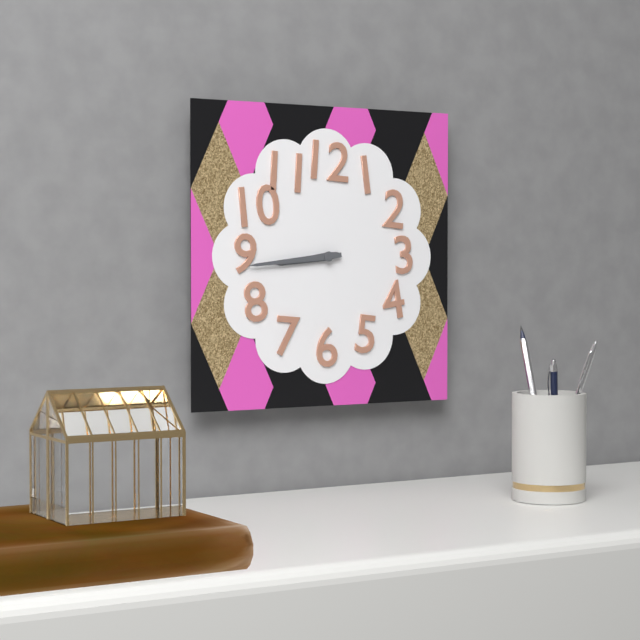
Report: h=8 m=44
